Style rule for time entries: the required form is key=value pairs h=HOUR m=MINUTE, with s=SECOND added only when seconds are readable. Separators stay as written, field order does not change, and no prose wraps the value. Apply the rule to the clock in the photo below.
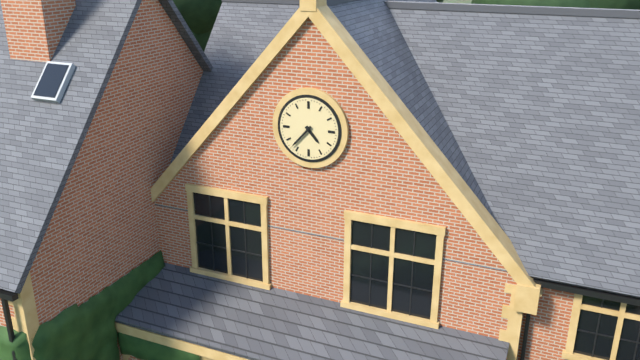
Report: h=4 m=37
